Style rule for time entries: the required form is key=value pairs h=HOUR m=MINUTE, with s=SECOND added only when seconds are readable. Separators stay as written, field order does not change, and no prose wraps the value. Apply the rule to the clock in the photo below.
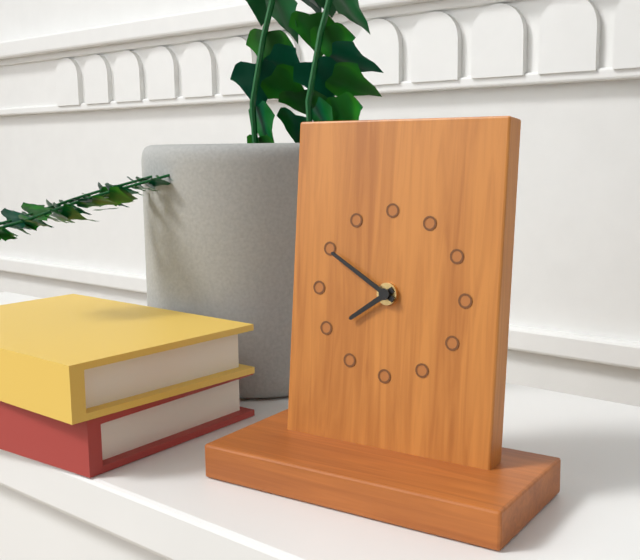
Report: h=7 m=50
